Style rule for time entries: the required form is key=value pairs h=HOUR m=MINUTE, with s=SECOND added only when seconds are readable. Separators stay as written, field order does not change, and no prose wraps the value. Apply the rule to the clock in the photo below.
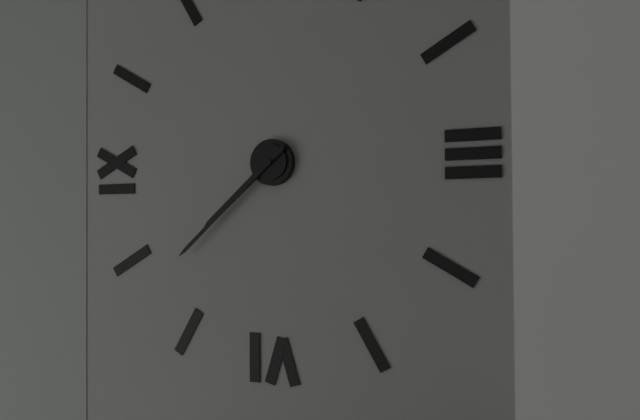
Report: h=7 m=38
